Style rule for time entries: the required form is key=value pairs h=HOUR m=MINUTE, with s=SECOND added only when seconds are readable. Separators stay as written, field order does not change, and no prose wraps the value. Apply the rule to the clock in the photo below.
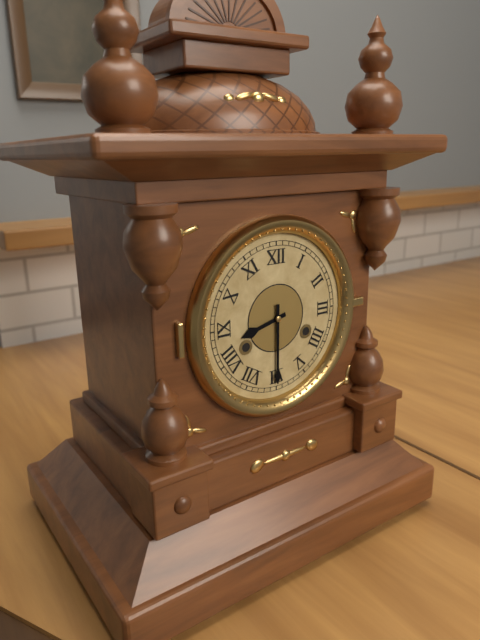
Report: h=8 m=30
